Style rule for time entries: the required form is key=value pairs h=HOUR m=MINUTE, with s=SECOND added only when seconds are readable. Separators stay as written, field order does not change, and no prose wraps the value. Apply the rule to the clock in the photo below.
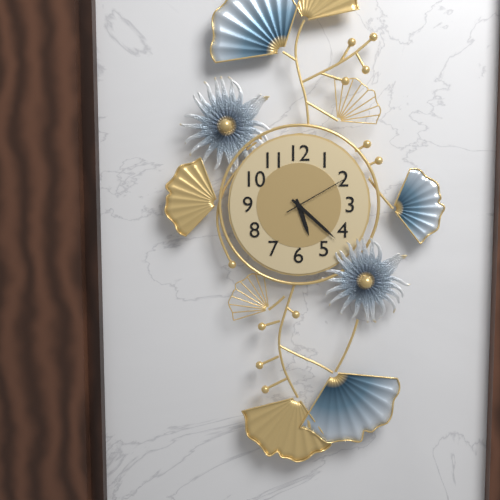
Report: h=5 m=22 s=10
